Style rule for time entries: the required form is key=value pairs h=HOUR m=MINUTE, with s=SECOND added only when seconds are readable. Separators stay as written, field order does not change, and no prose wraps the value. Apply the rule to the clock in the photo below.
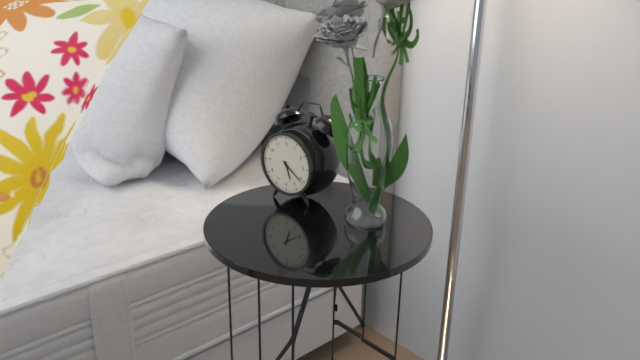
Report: h=5 m=21
